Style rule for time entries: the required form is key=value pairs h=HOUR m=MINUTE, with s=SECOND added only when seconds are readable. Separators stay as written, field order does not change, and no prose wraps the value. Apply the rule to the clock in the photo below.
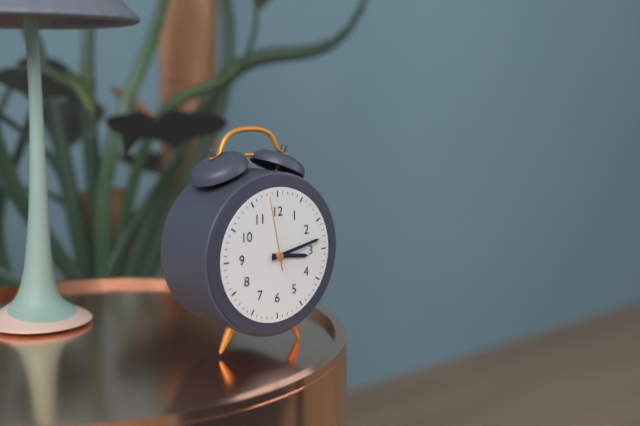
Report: h=3 m=13 s=58
